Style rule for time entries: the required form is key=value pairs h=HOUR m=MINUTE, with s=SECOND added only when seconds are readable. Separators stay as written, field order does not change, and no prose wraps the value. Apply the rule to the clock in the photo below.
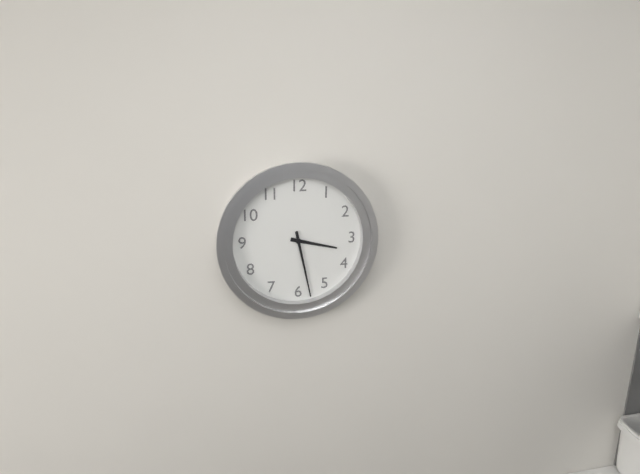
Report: h=3 m=28
